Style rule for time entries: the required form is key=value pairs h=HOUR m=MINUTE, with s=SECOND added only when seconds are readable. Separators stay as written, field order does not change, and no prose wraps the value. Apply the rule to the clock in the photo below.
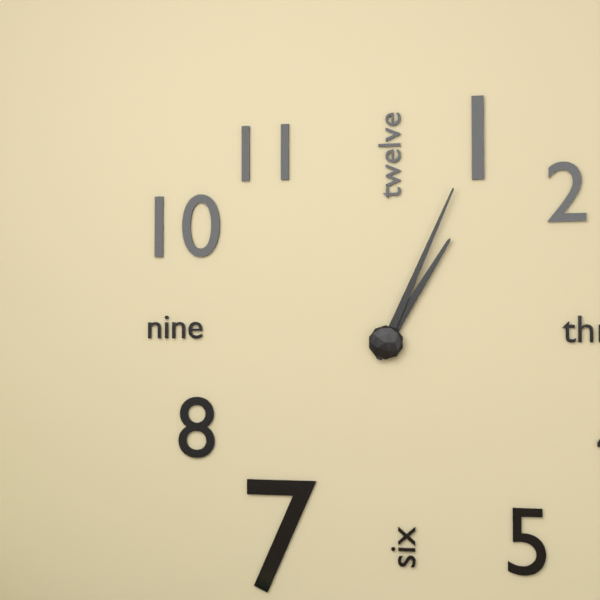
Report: h=1 m=4
